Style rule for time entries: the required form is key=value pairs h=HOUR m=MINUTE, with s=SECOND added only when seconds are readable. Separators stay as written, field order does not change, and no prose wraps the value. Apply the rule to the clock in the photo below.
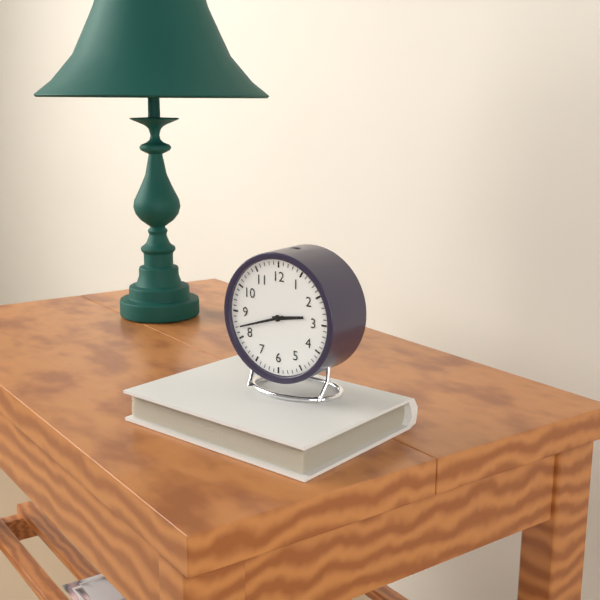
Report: h=2 m=42
